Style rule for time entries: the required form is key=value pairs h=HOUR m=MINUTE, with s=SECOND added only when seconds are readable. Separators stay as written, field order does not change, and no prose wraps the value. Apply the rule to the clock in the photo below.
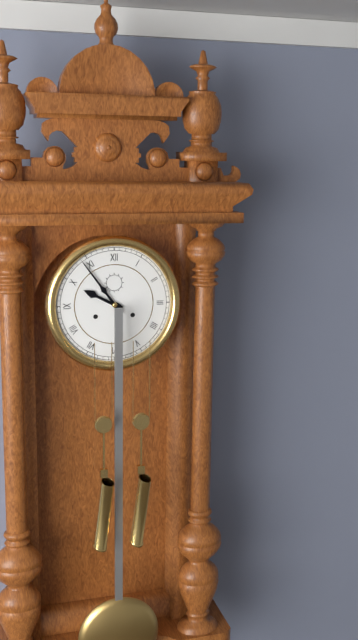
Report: h=9 m=54
